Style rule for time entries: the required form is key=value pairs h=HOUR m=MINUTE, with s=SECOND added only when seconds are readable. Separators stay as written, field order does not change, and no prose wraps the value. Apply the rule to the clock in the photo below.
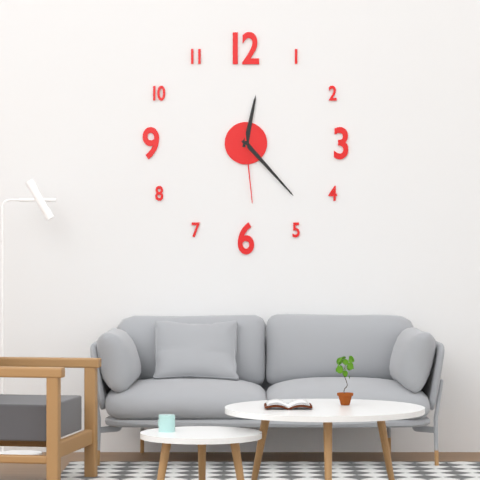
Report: h=12 m=23 s=29
